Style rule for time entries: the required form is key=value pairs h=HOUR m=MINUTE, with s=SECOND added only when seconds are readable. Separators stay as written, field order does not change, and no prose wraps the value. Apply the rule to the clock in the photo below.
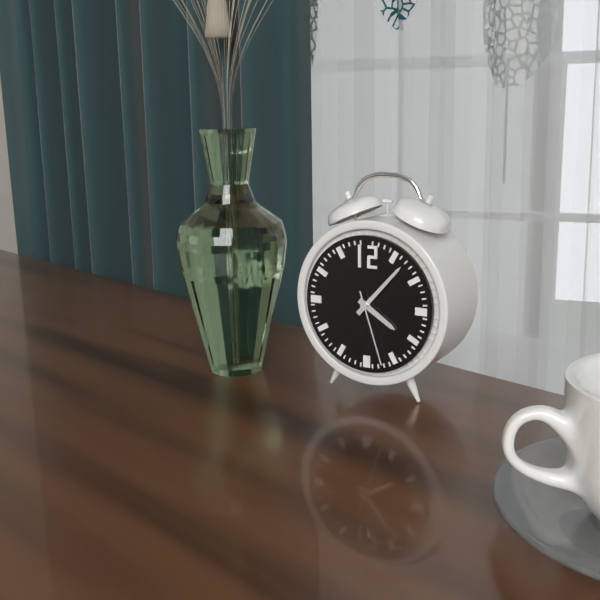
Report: h=4 m=7 s=27
